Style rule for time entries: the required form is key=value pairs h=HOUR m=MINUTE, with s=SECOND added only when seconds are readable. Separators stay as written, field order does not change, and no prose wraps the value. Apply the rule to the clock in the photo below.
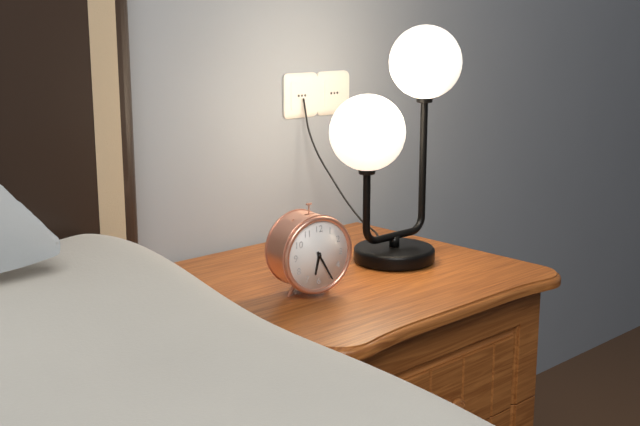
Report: h=6 m=25
